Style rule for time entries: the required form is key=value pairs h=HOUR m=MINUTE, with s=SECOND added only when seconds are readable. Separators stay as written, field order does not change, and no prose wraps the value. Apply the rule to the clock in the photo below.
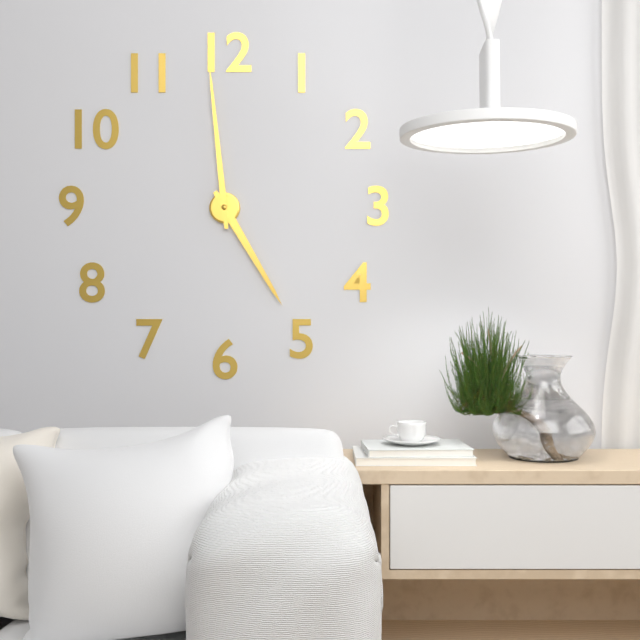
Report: h=4 m=59
